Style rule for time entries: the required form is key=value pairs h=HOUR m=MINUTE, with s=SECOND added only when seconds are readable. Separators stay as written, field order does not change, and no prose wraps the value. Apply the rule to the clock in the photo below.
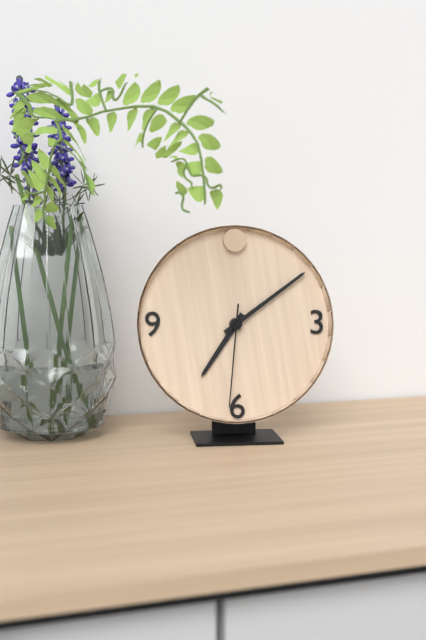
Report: h=7 m=9 s=31
